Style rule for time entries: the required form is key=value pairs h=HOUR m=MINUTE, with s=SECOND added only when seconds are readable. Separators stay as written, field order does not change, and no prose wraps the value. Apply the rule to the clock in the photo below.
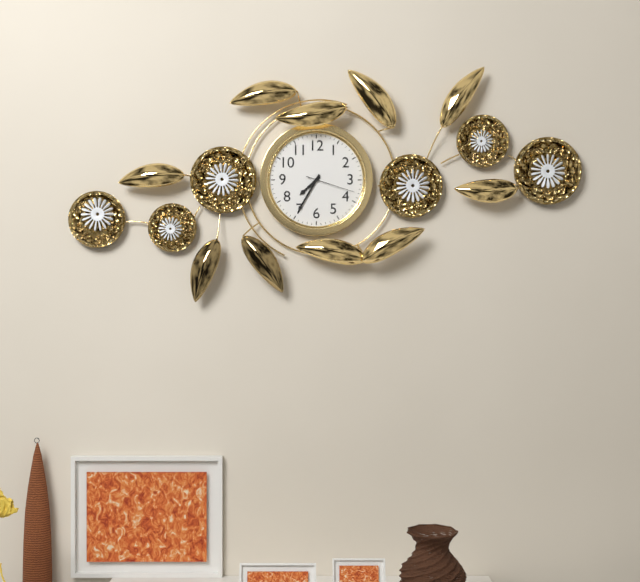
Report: h=7 m=35 s=18
